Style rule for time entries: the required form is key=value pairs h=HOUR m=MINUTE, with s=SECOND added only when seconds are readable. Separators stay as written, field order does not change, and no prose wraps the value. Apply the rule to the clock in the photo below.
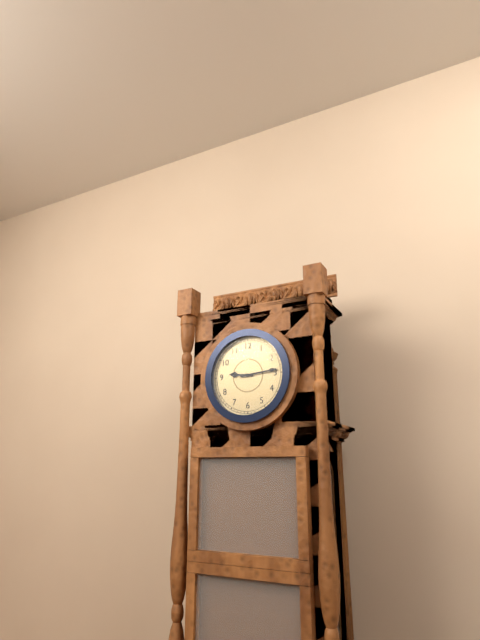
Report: h=9 m=14
